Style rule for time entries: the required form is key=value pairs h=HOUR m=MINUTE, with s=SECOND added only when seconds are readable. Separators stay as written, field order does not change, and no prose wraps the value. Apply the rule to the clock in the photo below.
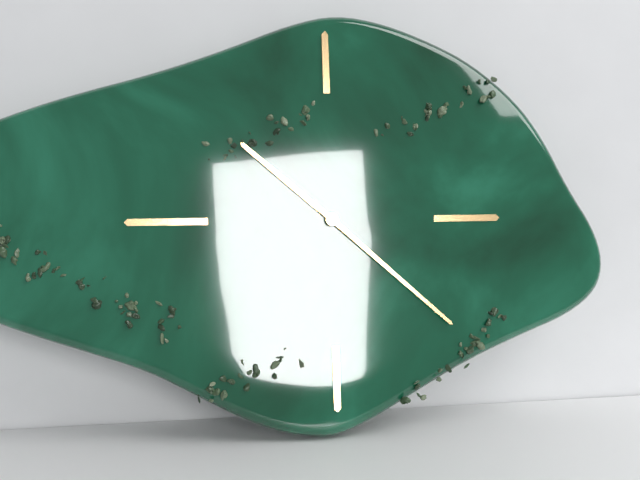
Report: h=10 m=22
